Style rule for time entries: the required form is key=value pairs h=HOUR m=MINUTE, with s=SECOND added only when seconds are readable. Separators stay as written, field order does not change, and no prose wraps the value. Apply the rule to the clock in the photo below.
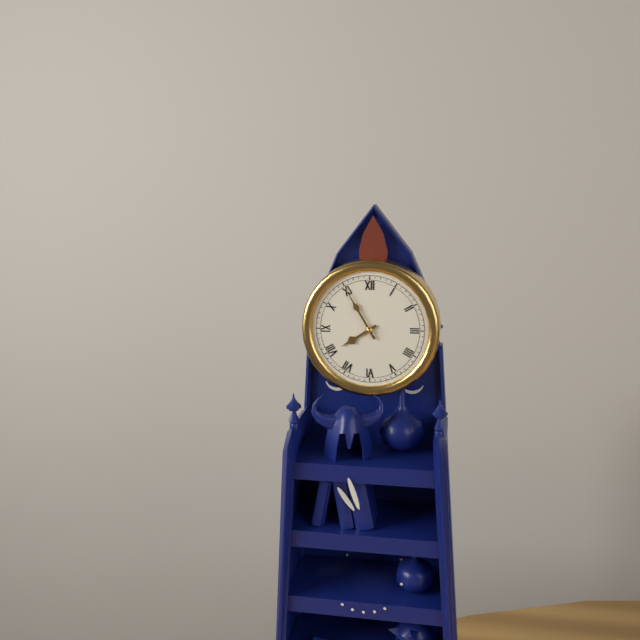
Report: h=7 m=55
